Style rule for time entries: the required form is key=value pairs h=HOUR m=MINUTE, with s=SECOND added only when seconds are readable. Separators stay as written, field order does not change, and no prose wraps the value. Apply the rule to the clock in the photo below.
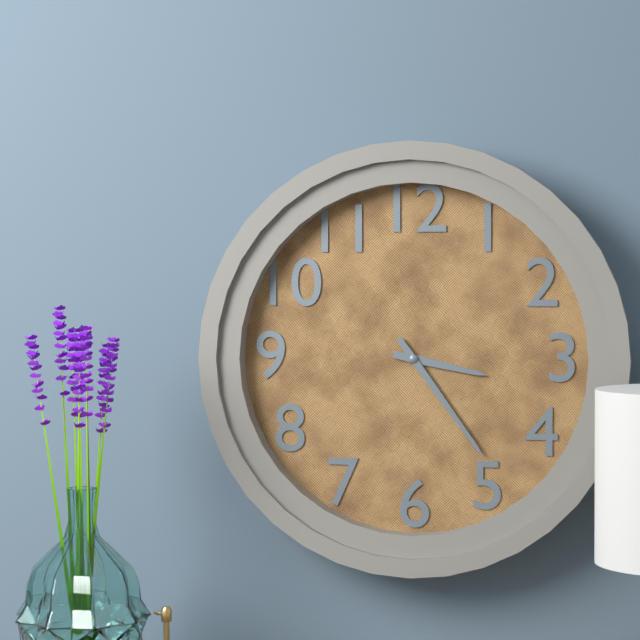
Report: h=3 m=24
